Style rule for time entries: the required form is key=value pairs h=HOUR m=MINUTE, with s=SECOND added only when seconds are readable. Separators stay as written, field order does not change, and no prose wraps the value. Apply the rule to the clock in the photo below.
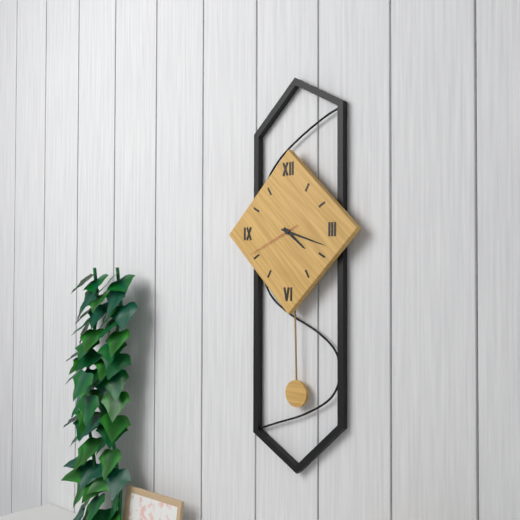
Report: h=4 m=18 s=41
